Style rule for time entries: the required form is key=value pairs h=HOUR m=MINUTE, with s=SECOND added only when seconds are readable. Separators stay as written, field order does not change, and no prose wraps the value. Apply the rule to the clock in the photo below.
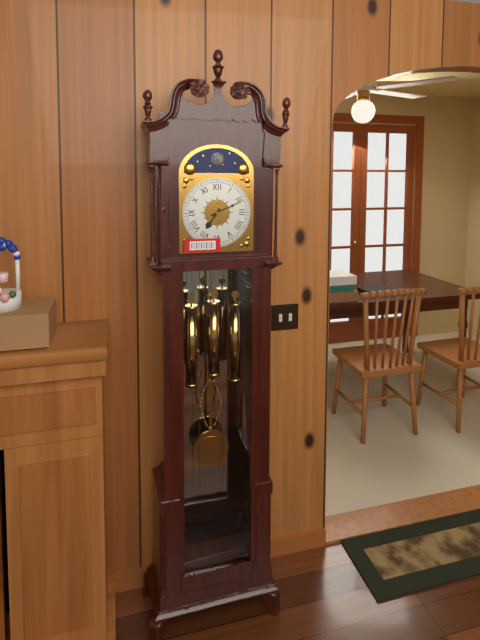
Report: h=7 m=11
